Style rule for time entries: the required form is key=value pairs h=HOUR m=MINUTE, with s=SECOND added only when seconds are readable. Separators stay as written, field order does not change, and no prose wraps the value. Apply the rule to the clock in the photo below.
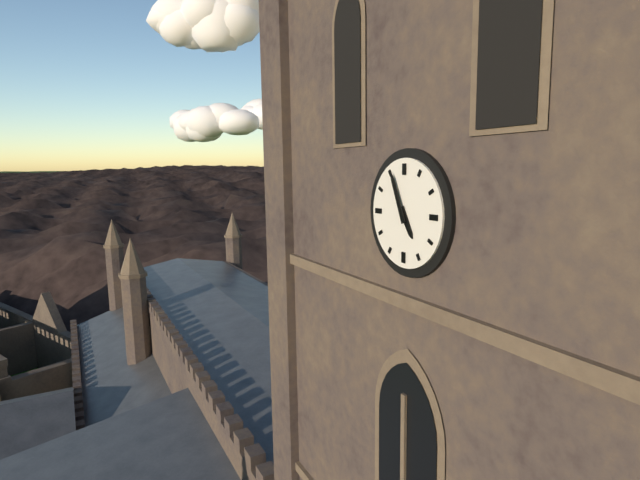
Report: h=4 m=56
